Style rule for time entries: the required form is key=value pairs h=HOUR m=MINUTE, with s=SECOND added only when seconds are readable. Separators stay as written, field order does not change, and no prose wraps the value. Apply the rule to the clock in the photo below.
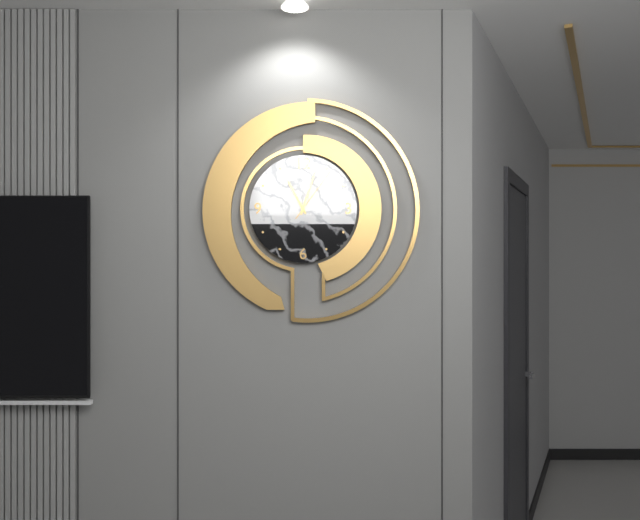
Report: h=11 m=3 s=6
